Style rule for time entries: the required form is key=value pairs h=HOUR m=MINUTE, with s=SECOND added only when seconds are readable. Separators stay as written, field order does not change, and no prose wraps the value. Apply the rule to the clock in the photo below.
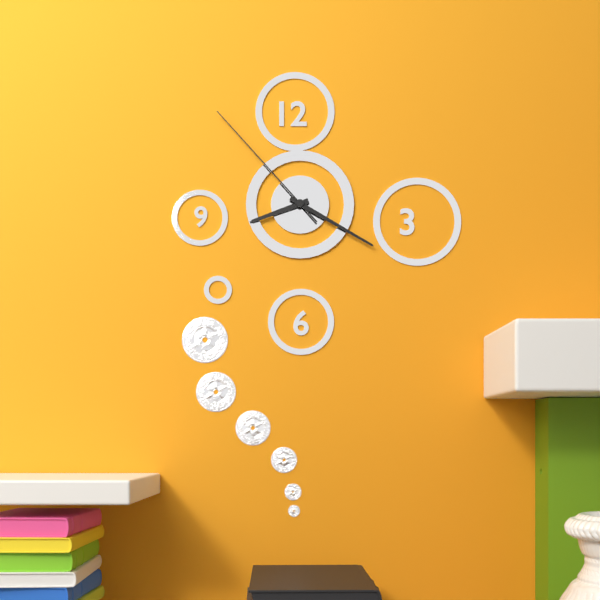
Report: h=8 m=20 s=53
